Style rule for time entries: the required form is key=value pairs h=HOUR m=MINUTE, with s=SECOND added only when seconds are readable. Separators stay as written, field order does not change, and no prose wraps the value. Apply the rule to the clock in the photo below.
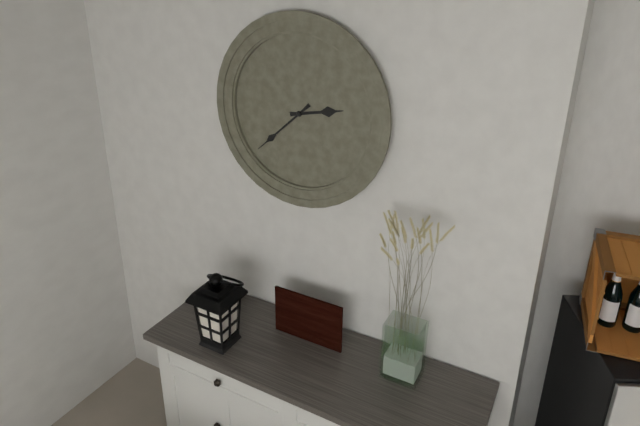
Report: h=2 m=38
